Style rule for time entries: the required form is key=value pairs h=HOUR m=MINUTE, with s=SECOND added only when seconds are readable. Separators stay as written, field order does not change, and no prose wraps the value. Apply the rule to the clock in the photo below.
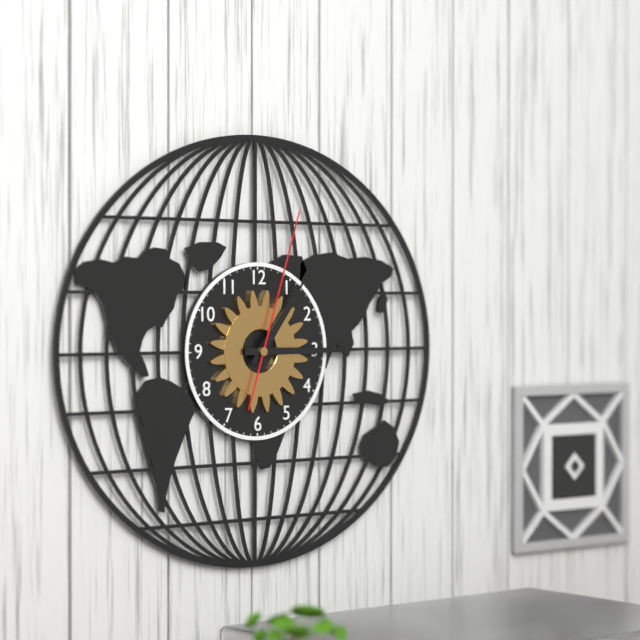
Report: h=1 m=15 s=3
